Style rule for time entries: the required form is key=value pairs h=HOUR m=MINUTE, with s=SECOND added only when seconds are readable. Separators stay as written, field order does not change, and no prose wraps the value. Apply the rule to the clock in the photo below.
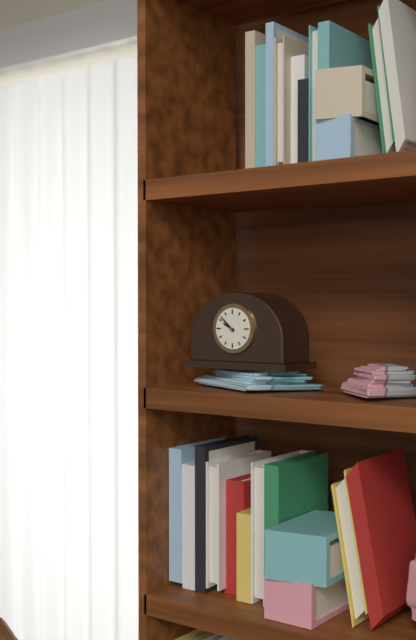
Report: h=9 m=52
